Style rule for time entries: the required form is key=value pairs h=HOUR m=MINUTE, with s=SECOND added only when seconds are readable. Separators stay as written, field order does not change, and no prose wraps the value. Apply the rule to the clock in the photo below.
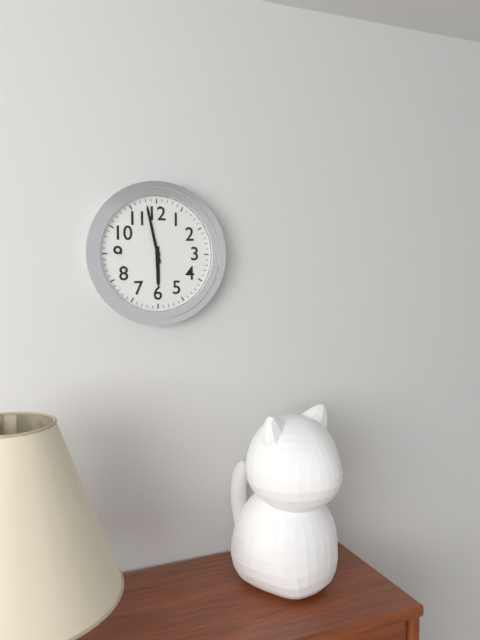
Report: h=5 m=58
